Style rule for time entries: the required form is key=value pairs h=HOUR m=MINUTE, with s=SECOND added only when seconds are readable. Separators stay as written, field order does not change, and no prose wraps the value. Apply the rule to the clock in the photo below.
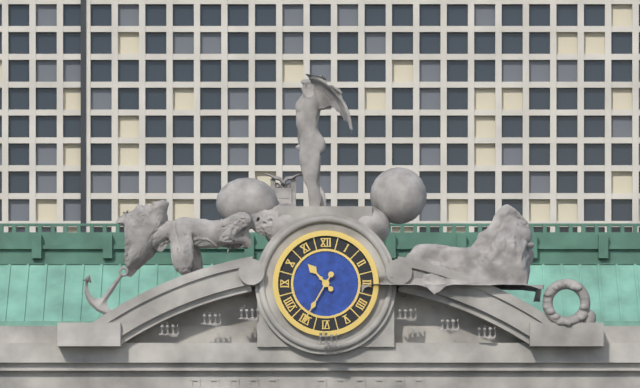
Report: h=10 m=35
